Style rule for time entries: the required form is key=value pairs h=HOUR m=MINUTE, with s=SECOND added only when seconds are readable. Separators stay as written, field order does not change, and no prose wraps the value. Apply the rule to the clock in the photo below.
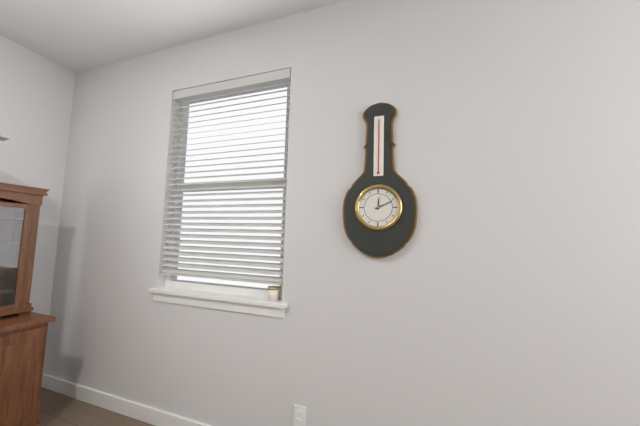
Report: h=12 m=11
